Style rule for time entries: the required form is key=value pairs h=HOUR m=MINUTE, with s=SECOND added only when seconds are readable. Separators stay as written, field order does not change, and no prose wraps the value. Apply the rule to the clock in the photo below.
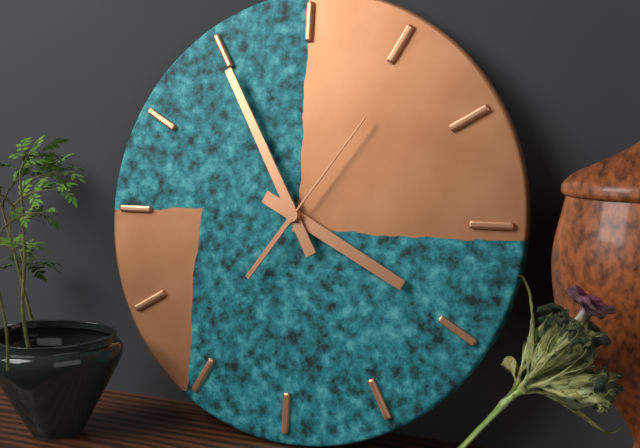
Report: h=3 m=55 s=6
